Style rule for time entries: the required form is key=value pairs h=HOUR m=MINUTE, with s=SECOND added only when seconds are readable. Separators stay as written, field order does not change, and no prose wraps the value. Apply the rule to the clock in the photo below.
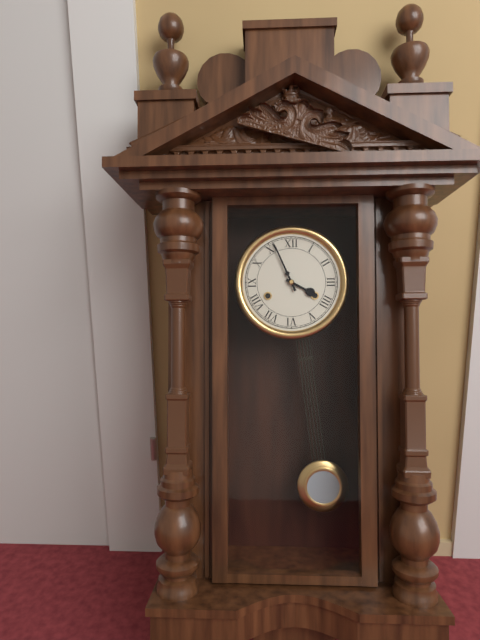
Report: h=3 m=56
